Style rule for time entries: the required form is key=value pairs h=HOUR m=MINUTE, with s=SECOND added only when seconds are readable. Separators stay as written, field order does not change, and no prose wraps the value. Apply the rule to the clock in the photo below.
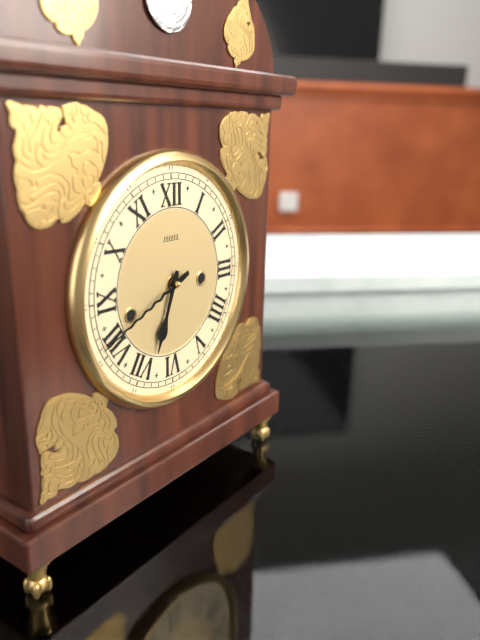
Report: h=6 m=41
